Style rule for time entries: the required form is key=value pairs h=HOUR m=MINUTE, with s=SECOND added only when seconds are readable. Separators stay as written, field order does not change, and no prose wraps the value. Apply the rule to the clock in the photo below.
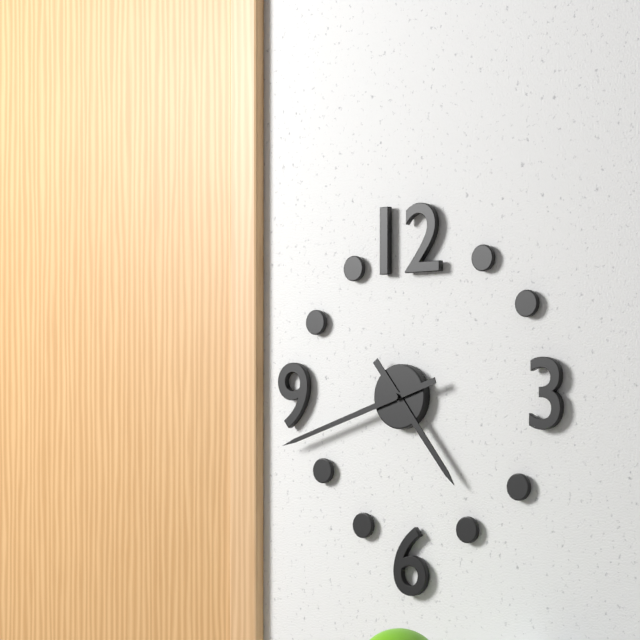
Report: h=4 m=42
